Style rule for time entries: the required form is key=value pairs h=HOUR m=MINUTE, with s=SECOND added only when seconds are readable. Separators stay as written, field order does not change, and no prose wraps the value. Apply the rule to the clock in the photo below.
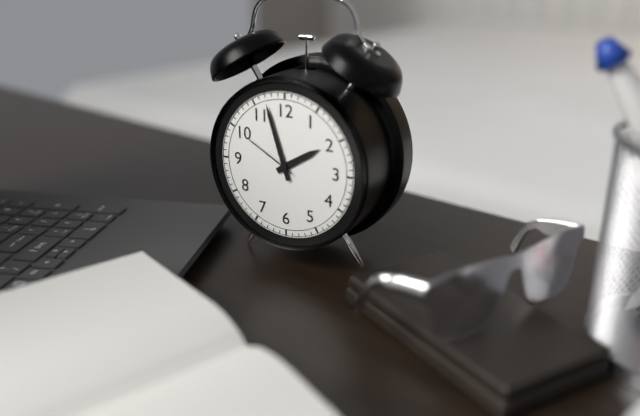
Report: h=1 m=57 s=50
